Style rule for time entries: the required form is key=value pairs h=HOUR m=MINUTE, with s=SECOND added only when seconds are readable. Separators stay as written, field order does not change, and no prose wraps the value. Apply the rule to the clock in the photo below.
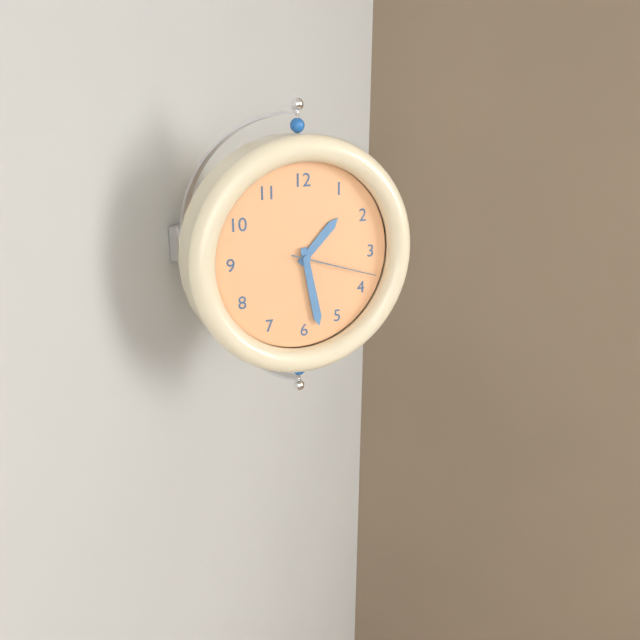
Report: h=1 m=28 s=18
